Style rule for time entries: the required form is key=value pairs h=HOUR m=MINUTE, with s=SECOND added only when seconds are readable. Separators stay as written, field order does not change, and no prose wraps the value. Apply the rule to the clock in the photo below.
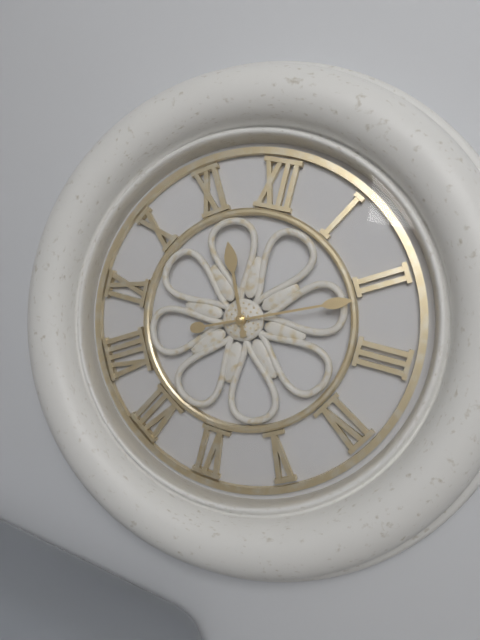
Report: h=11 m=11
